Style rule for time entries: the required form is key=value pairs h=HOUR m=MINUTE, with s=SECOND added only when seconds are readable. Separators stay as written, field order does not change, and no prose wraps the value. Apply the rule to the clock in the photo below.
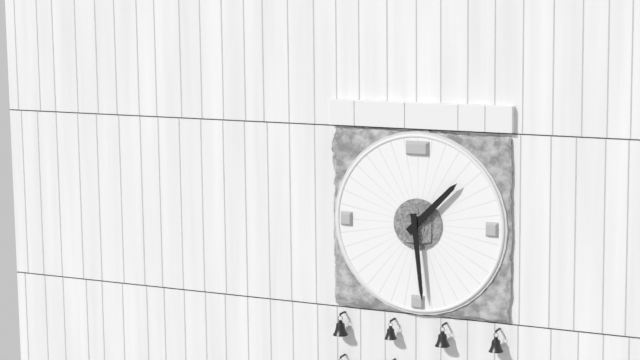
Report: h=1 m=29
